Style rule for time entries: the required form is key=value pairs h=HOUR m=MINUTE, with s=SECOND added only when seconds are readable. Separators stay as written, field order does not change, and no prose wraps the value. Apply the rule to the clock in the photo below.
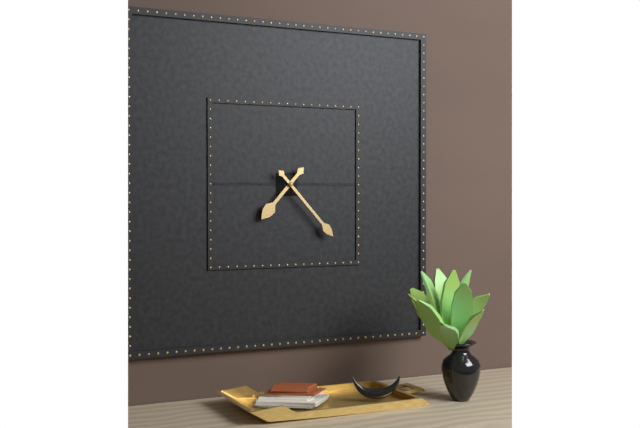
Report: h=7 m=23
